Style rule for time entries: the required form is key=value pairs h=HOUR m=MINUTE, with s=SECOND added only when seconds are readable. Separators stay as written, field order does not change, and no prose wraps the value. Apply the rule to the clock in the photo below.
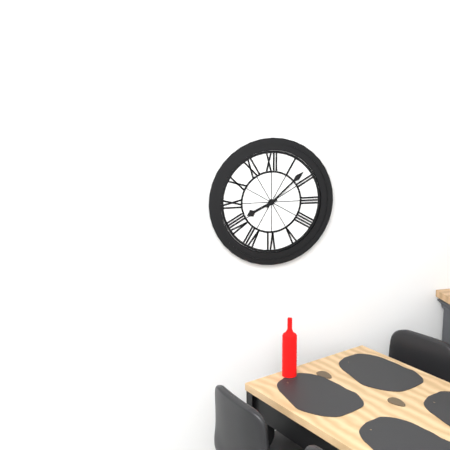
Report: h=8 m=8
